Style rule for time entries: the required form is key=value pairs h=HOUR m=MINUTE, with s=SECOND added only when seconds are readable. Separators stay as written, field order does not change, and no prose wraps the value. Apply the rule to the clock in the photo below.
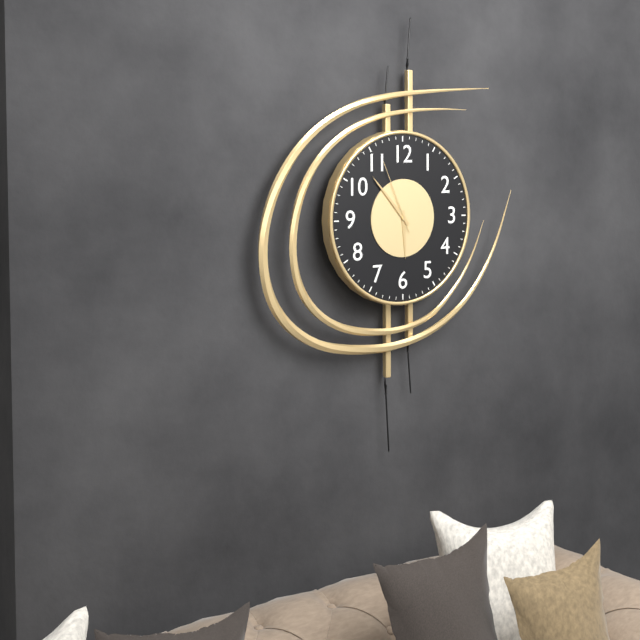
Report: h=5 m=53 s=56
